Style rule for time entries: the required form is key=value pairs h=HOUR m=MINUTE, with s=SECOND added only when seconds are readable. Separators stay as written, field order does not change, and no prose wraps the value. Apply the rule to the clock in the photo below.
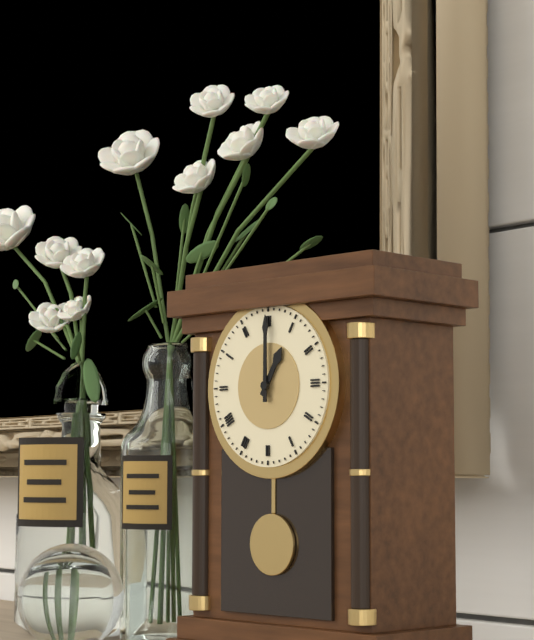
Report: h=1 m=0
